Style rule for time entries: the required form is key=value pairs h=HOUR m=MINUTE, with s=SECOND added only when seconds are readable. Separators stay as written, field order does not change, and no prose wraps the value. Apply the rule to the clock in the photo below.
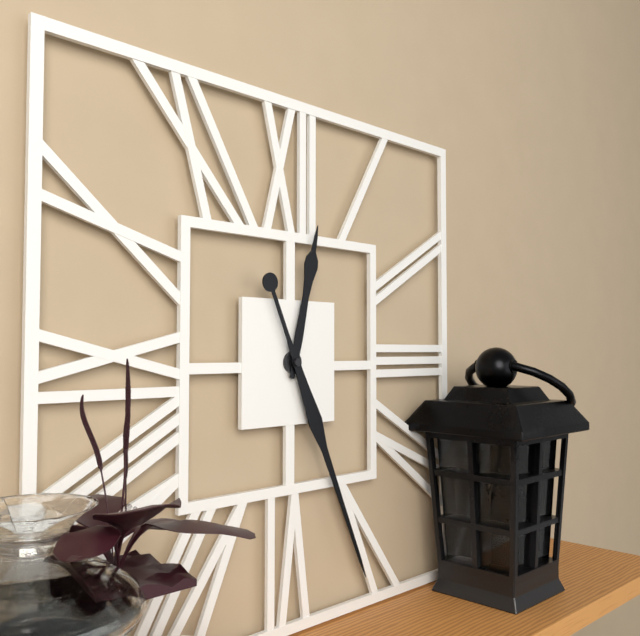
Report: h=12 m=26
